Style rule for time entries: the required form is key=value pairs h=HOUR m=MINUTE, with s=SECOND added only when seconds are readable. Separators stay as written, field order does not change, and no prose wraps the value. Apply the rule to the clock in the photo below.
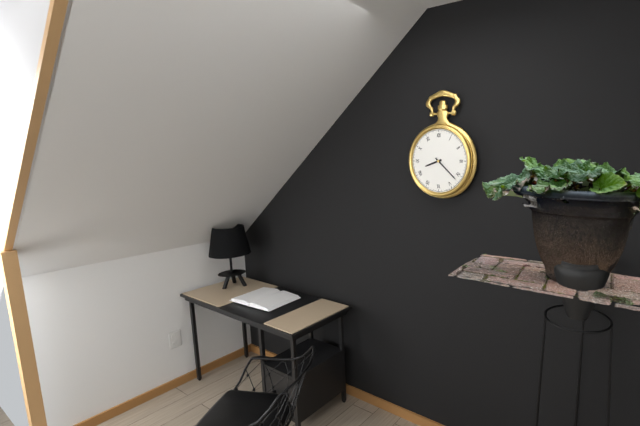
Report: h=8 m=22
